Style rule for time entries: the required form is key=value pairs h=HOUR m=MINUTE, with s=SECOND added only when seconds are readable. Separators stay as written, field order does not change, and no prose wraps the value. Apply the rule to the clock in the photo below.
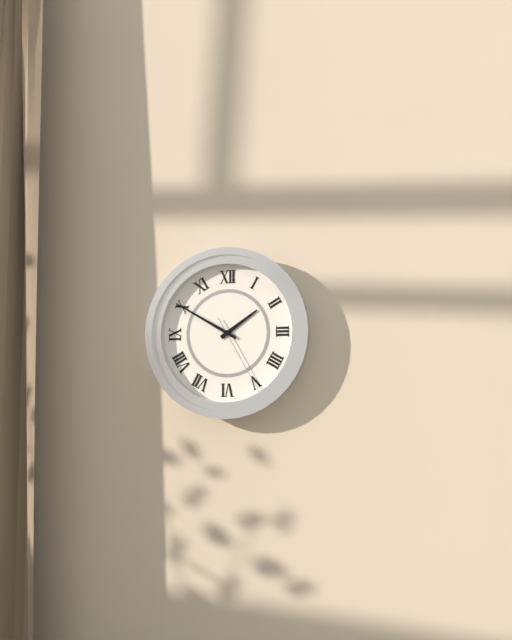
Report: h=1 m=50 s=25
